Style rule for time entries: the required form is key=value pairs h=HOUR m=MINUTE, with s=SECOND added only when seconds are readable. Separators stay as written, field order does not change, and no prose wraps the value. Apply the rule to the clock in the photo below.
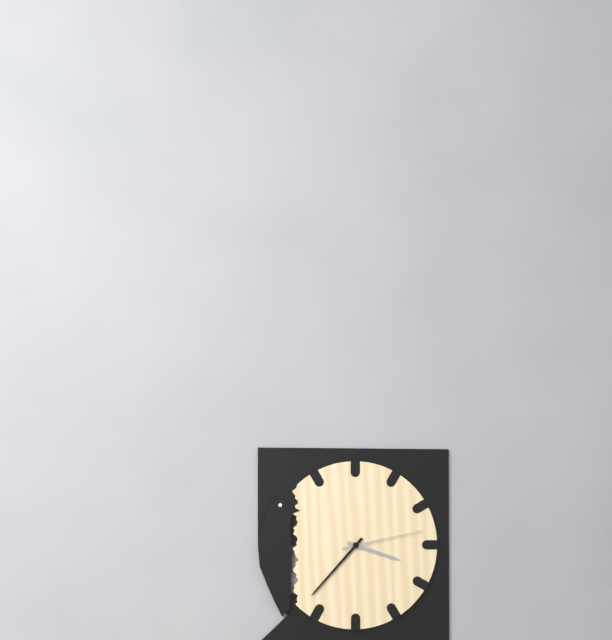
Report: h=3 m=37 s=13
